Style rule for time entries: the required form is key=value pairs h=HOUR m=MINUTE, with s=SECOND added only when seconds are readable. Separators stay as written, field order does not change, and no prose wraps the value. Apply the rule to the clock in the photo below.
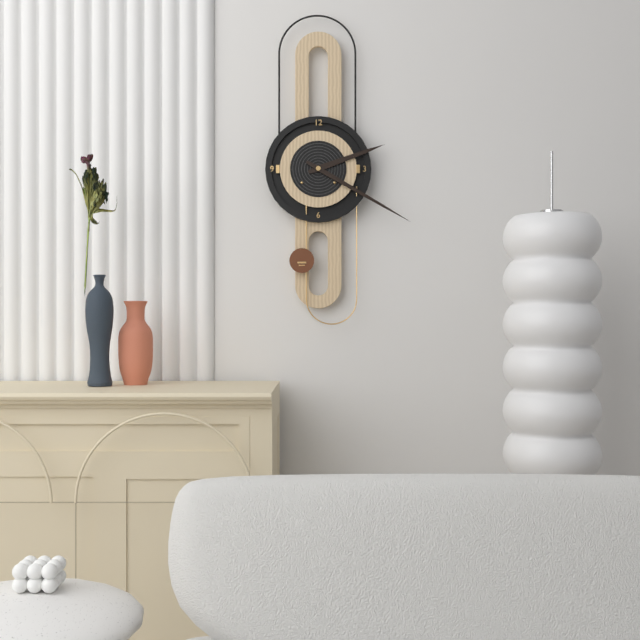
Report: h=2 m=20
